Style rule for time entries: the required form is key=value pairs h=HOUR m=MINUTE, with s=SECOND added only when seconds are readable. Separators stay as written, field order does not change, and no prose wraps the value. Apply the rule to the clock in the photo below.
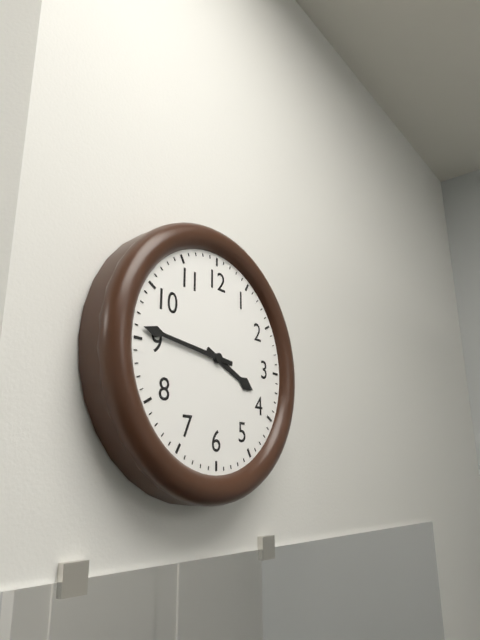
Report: h=3 m=46
